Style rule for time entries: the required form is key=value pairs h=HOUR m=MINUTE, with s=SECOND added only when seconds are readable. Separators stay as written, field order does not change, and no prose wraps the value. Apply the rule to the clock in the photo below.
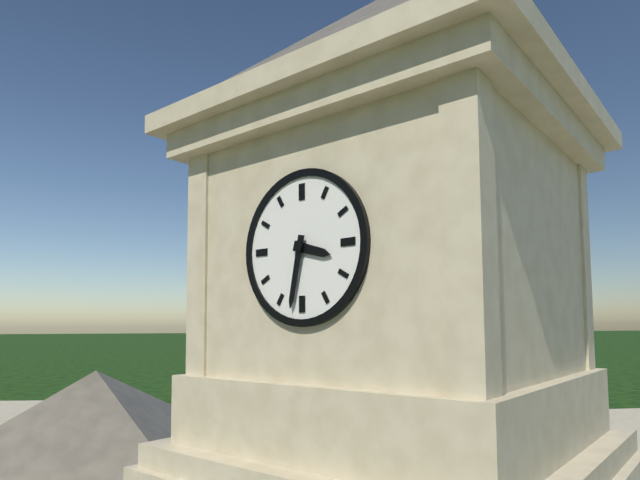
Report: h=3 m=32
